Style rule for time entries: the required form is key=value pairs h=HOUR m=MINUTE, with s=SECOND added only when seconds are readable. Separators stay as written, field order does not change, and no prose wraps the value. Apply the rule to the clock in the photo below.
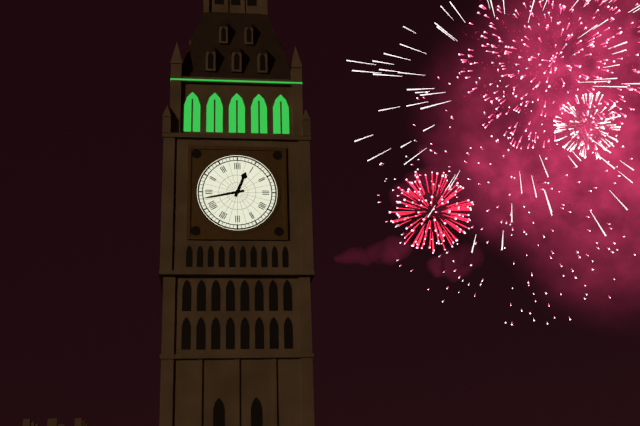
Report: h=12 m=43
